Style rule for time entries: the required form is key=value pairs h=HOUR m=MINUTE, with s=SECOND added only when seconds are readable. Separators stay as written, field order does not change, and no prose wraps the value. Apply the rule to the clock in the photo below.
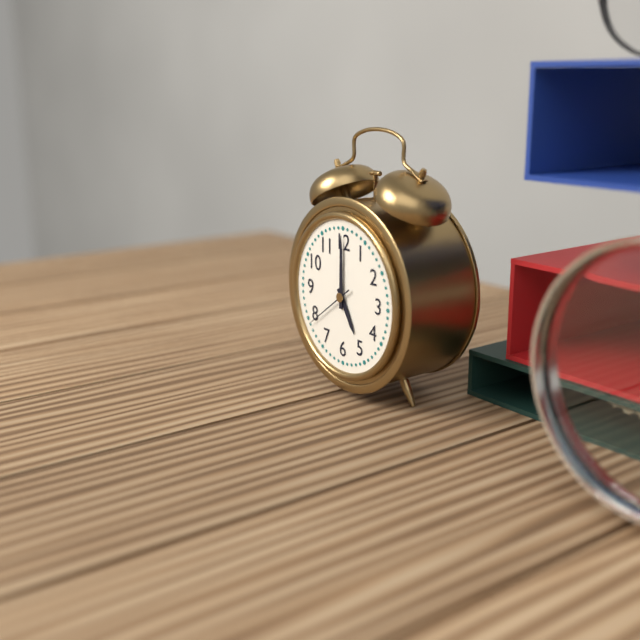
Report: h=5 m=0 s=39
